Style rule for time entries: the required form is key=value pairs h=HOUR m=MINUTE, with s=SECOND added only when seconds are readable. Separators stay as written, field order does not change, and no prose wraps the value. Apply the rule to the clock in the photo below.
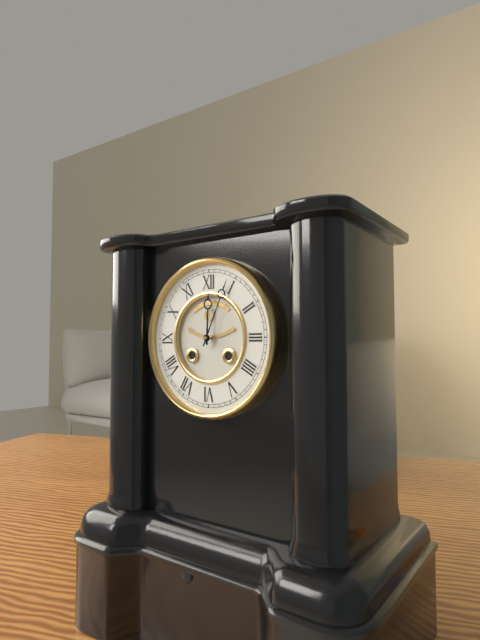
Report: h=12 m=4
